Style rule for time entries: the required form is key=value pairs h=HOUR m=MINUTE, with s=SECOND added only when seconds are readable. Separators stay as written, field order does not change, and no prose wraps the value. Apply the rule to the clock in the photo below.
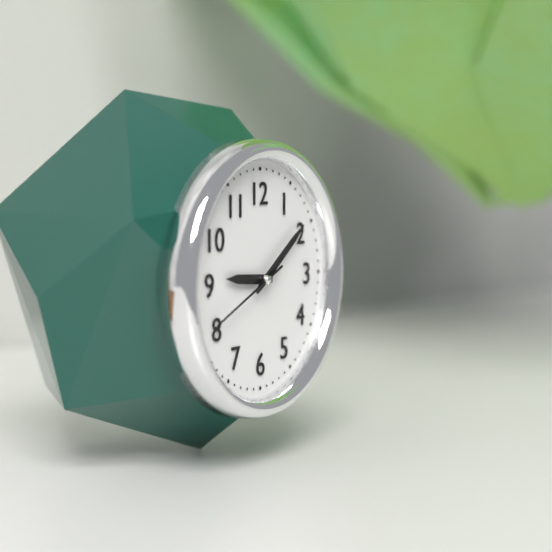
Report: h=9 m=9 s=41
